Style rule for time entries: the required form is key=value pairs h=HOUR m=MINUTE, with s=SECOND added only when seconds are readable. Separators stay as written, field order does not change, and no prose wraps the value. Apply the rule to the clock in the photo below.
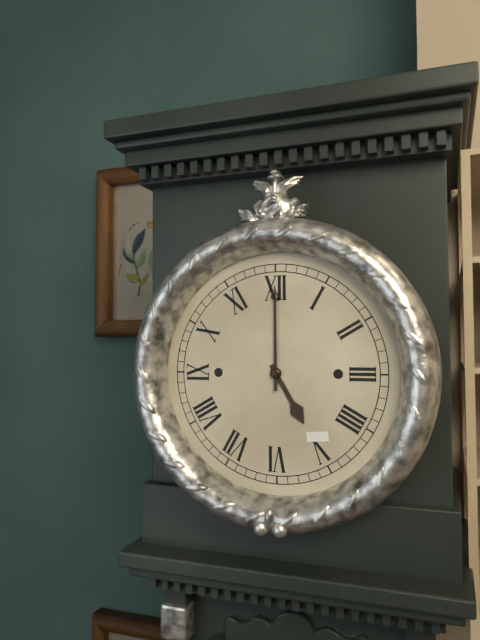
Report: h=5 m=0
